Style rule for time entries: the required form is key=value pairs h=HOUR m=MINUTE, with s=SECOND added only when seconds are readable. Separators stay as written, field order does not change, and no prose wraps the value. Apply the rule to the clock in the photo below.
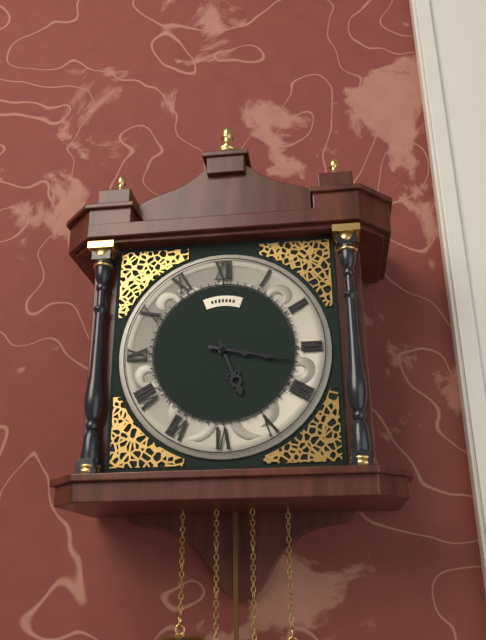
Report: h=5 m=17
